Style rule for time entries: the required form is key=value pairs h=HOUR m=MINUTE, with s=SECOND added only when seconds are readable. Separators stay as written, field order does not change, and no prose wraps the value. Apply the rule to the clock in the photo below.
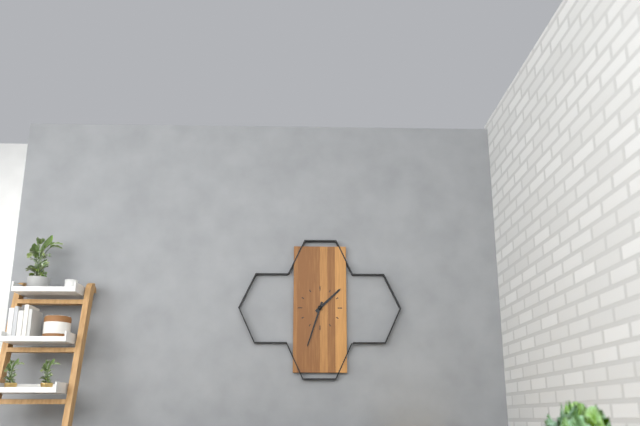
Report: h=1 m=33
